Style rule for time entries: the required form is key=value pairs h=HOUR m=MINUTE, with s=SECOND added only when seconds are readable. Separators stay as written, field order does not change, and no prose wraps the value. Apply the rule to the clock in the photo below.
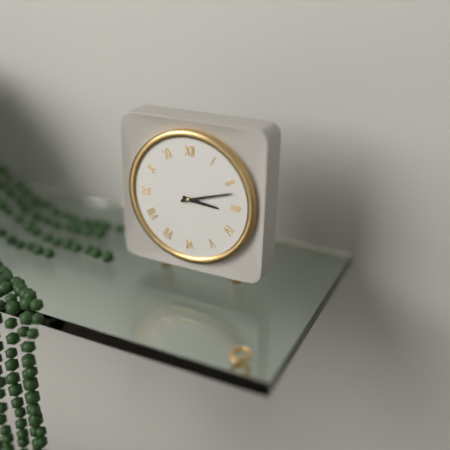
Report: h=3 m=12
